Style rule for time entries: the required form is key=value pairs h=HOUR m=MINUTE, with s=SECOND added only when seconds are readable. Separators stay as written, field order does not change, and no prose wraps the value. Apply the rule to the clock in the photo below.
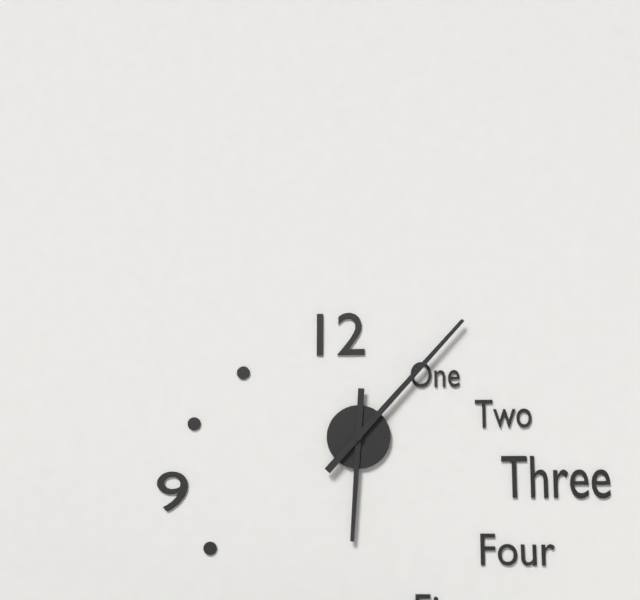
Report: h=6 m=7
